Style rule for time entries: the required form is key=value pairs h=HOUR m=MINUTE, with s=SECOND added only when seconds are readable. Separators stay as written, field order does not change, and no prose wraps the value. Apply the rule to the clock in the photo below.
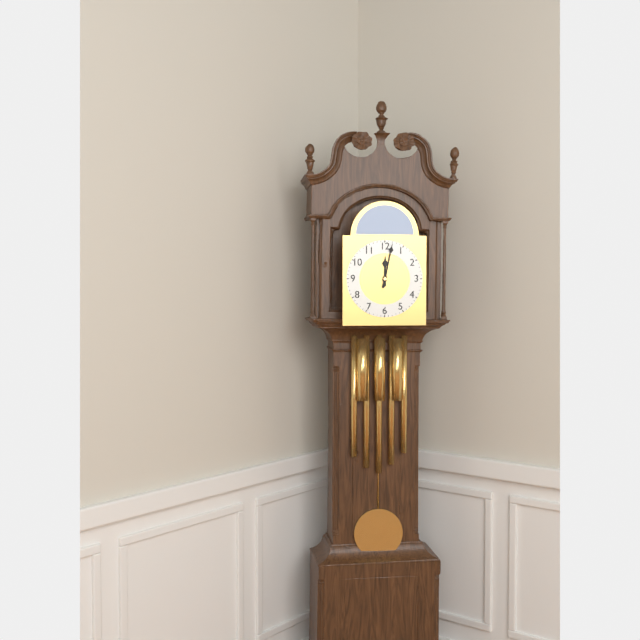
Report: h=12 m=2
